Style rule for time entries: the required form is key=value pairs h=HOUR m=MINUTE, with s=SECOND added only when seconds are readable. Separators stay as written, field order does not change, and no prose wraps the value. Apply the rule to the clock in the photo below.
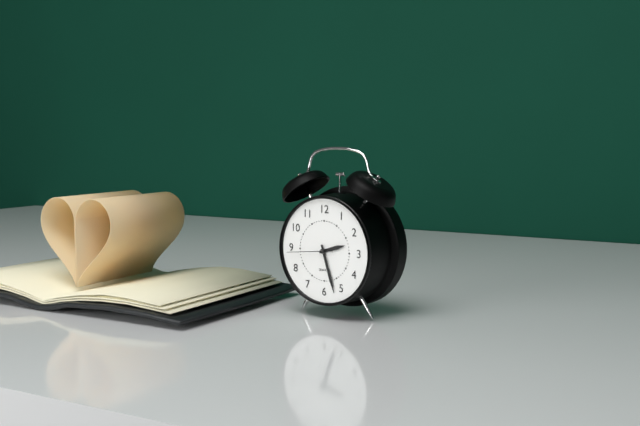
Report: h=2 m=27
